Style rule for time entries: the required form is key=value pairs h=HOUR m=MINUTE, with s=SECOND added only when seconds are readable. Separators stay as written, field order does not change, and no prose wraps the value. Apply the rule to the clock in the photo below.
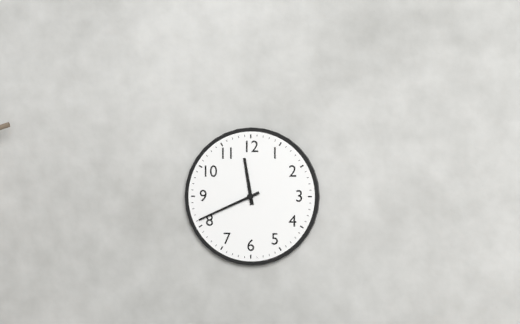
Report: h=11 m=41
